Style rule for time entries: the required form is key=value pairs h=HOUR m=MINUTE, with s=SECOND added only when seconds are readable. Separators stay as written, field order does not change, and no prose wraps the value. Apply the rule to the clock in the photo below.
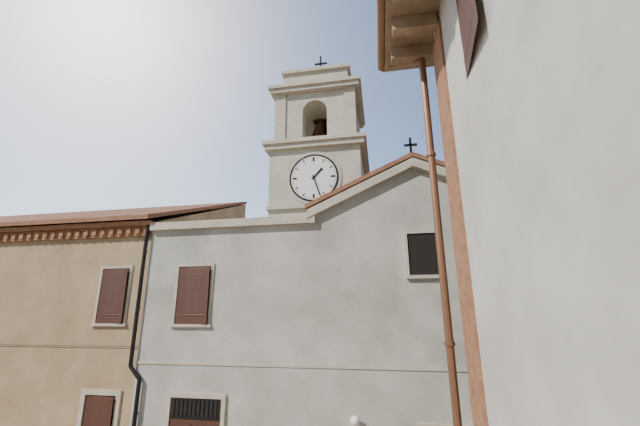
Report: h=1 m=27
